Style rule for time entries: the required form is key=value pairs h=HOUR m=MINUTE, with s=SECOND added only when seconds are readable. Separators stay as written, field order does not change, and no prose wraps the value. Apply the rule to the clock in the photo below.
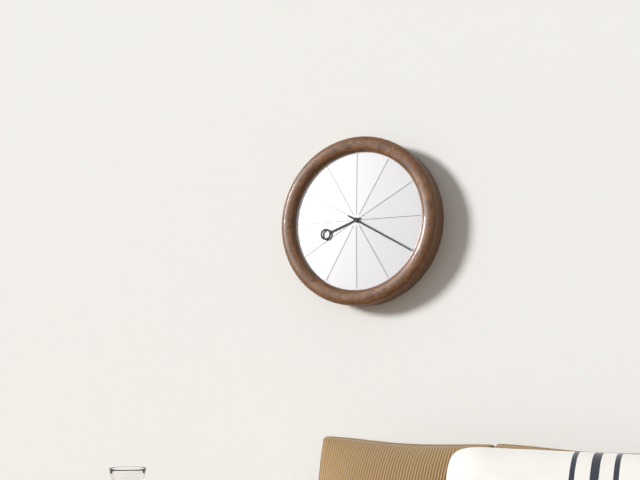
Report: h=8 m=20
